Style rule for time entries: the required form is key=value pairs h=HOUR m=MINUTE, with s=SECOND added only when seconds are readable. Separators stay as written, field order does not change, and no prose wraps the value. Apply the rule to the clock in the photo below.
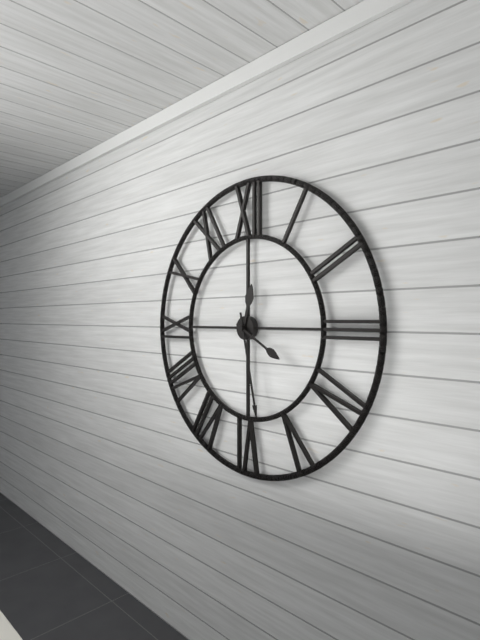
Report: h=12 m=28
